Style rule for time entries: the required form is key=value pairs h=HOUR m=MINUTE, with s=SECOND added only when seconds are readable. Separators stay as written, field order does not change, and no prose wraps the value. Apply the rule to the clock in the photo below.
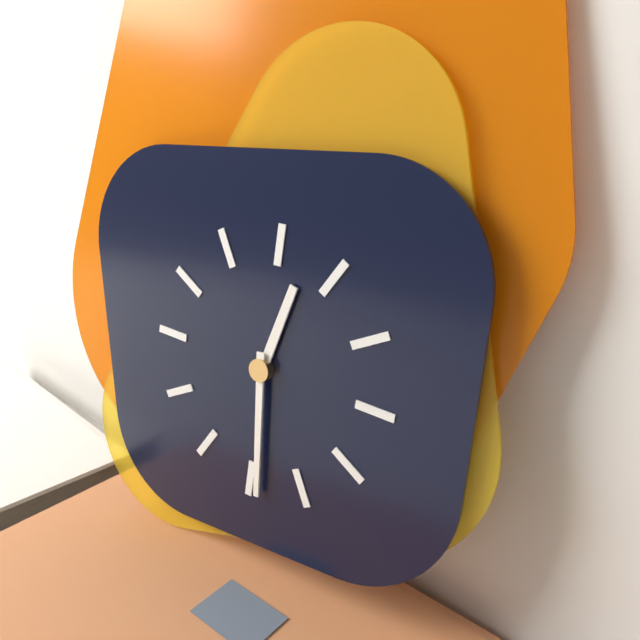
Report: h=12 m=29
